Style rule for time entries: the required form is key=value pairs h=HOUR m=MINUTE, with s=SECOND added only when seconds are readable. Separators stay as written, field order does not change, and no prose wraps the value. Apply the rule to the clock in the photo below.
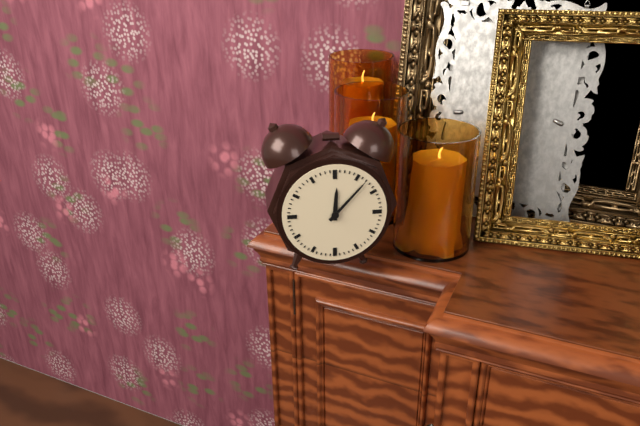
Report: h=12 m=7
